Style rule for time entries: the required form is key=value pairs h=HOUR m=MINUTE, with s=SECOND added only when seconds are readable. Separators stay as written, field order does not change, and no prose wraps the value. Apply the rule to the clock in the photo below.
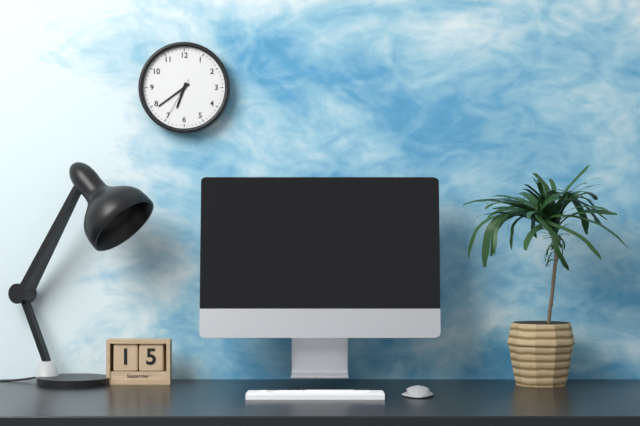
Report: h=6 m=39
